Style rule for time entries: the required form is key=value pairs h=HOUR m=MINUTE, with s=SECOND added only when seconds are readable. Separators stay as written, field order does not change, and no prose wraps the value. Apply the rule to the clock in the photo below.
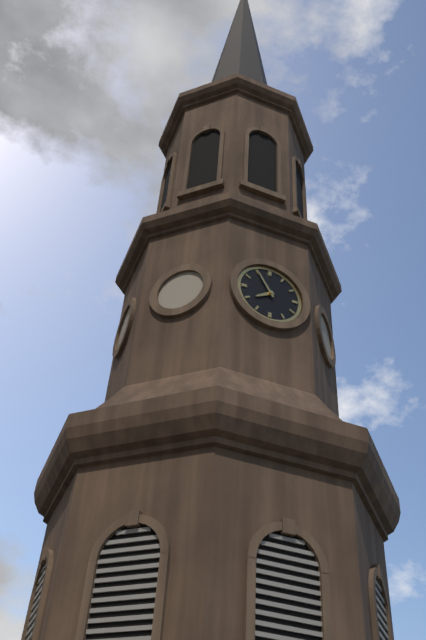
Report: h=7 m=55
